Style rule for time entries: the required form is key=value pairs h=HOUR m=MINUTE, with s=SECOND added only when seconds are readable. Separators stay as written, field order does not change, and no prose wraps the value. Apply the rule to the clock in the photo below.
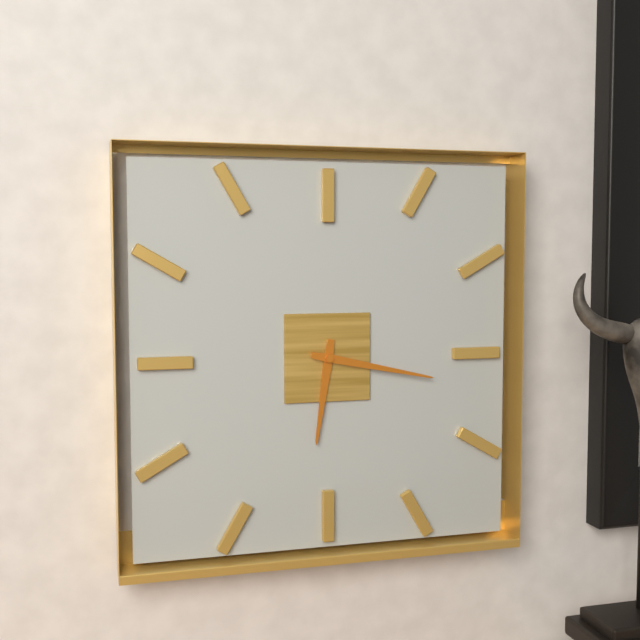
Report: h=6 m=17
